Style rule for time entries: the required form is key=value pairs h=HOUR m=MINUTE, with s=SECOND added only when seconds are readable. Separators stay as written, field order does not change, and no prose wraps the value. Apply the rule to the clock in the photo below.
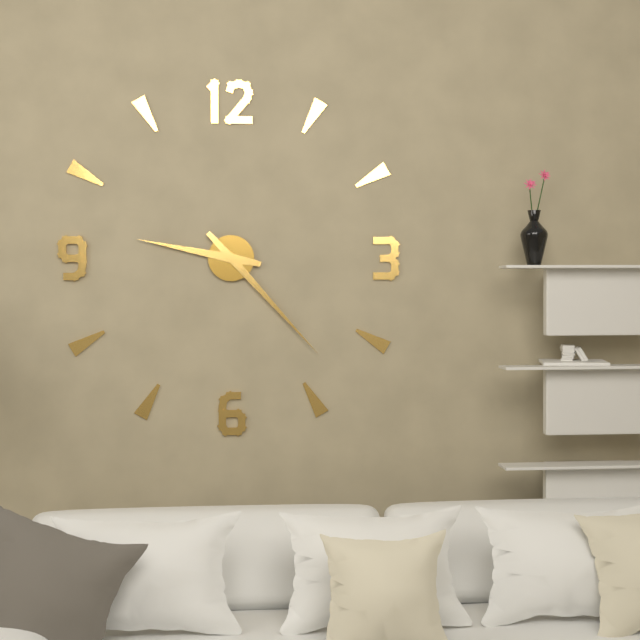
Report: h=9 m=23
